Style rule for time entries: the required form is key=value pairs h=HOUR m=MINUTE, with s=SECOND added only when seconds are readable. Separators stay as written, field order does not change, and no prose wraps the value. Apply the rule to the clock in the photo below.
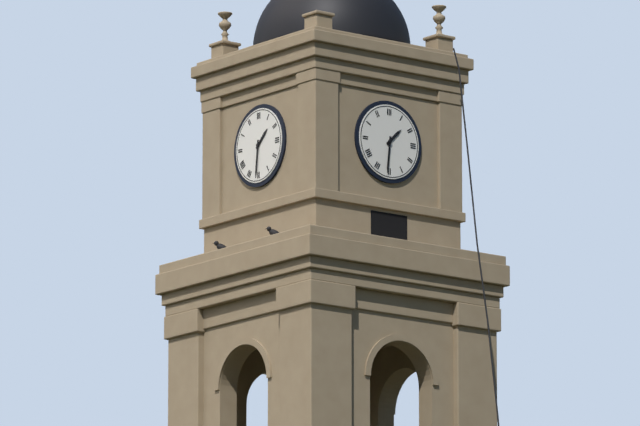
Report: h=1 m=31
